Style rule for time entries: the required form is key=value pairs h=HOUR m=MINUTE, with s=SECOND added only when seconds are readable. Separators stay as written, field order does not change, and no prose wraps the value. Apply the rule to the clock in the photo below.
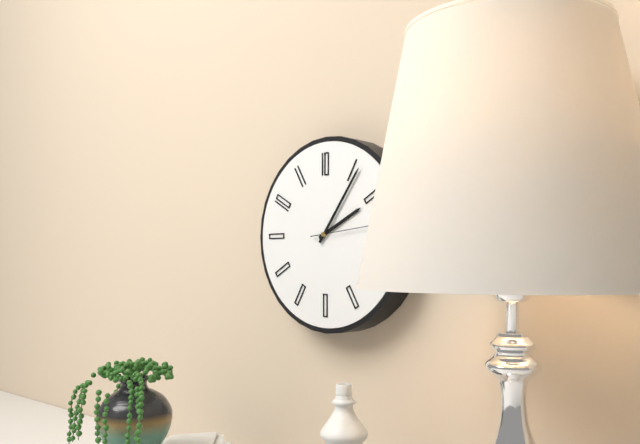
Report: h=2 m=6 s=14
